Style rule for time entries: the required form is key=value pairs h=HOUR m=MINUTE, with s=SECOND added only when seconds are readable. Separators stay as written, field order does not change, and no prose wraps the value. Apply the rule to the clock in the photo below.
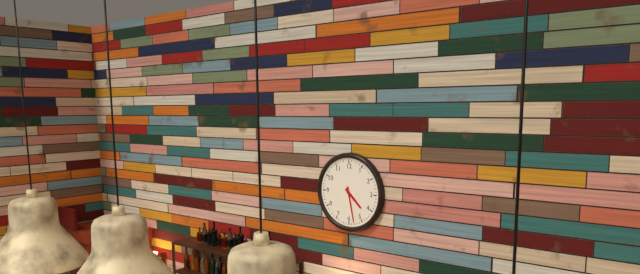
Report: h=4 m=28
